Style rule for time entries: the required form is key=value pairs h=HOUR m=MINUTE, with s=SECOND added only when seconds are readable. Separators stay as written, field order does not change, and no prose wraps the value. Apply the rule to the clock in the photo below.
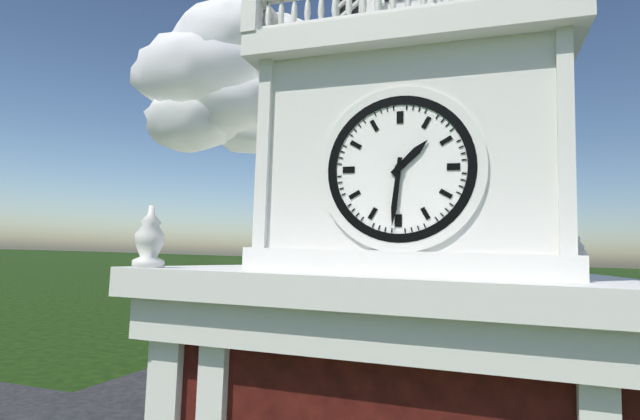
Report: h=1 m=31
